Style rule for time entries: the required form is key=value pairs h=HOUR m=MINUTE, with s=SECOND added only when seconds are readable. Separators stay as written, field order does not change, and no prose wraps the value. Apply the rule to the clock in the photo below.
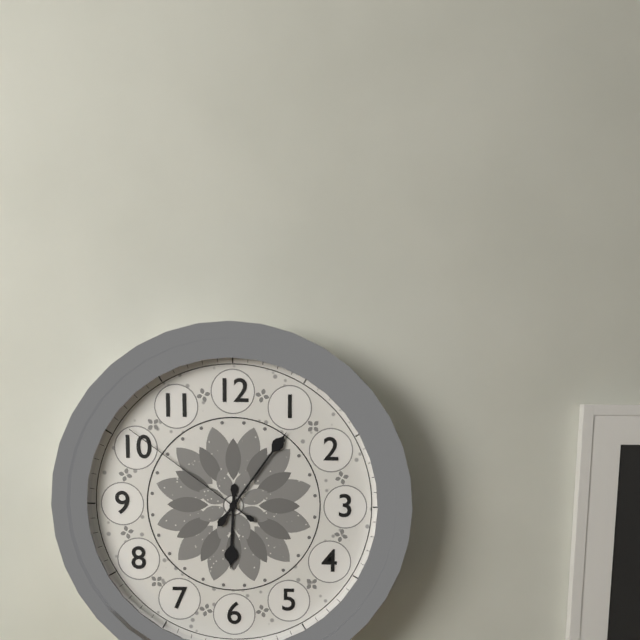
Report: h=6 m=6 s=51
